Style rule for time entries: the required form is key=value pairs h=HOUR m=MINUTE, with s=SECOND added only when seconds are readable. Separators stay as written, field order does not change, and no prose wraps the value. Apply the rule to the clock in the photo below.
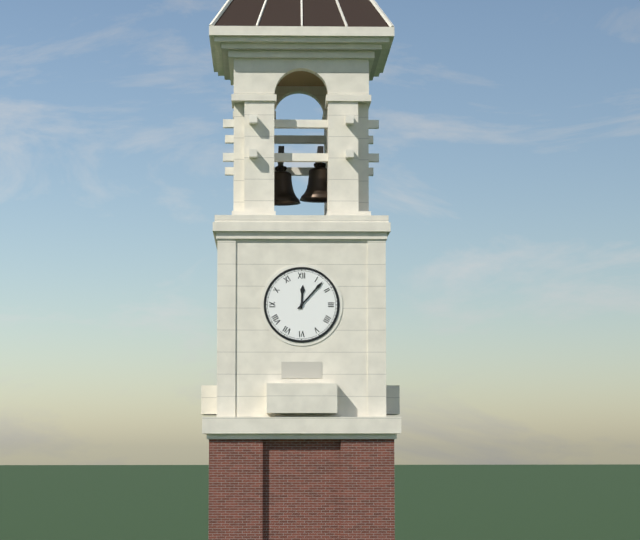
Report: h=12 m=7
